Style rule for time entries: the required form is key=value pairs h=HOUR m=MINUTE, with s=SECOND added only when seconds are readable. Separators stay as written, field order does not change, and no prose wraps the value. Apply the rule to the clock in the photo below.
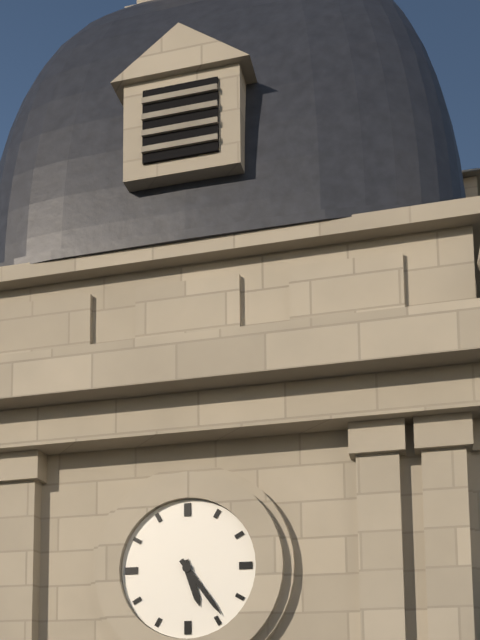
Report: h=5 m=24
